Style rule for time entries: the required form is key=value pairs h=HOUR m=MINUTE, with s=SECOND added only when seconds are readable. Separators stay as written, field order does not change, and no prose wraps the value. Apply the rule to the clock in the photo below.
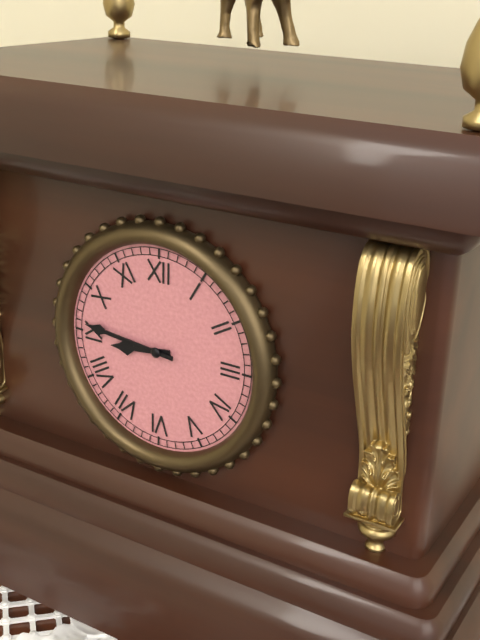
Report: h=8 m=46
